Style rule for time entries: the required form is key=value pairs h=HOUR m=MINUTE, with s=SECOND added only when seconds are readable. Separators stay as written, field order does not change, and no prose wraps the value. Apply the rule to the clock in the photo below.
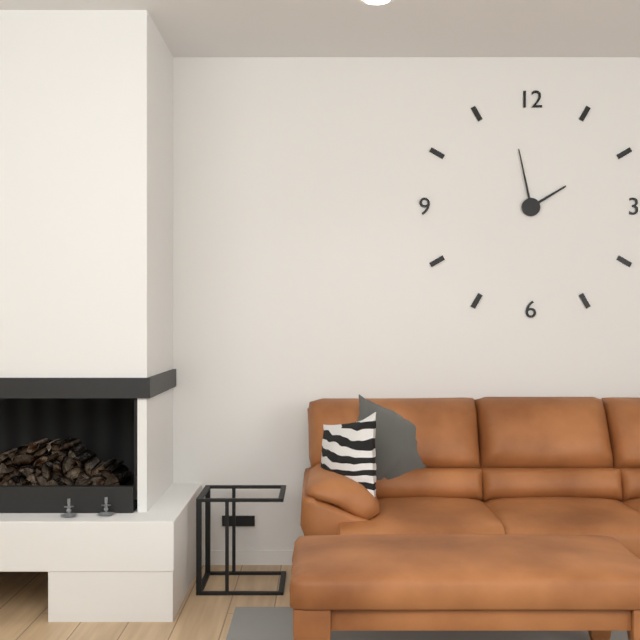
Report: h=1 m=58
